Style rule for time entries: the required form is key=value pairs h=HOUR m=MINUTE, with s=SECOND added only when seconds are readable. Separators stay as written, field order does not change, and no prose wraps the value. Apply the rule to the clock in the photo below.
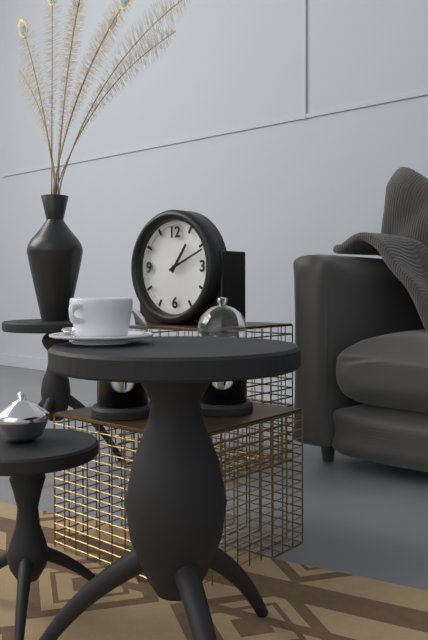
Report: h=1 m=11
